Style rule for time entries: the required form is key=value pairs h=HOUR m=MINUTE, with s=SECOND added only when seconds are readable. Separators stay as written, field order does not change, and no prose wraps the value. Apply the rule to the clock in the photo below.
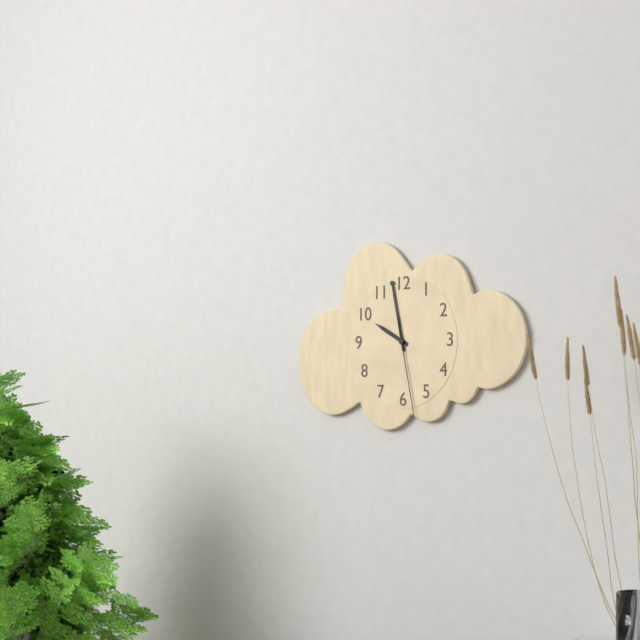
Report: h=9 m=58 s=28
